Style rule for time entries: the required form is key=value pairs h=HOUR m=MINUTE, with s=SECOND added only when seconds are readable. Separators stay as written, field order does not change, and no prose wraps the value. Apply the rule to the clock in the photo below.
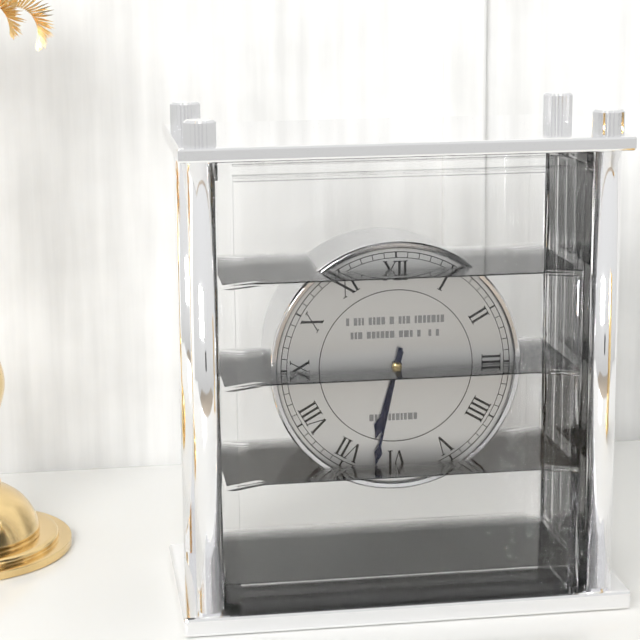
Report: h=6 m=32
